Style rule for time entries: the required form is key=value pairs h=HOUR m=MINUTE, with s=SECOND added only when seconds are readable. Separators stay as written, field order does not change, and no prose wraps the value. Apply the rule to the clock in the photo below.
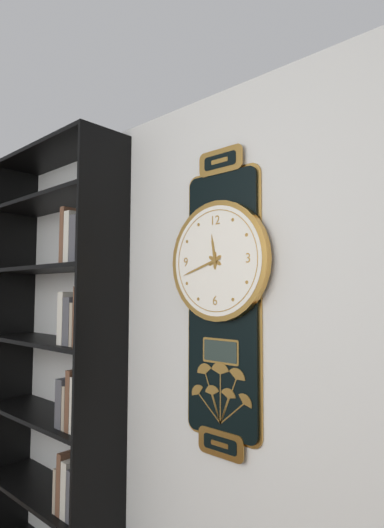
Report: h=11 m=42
